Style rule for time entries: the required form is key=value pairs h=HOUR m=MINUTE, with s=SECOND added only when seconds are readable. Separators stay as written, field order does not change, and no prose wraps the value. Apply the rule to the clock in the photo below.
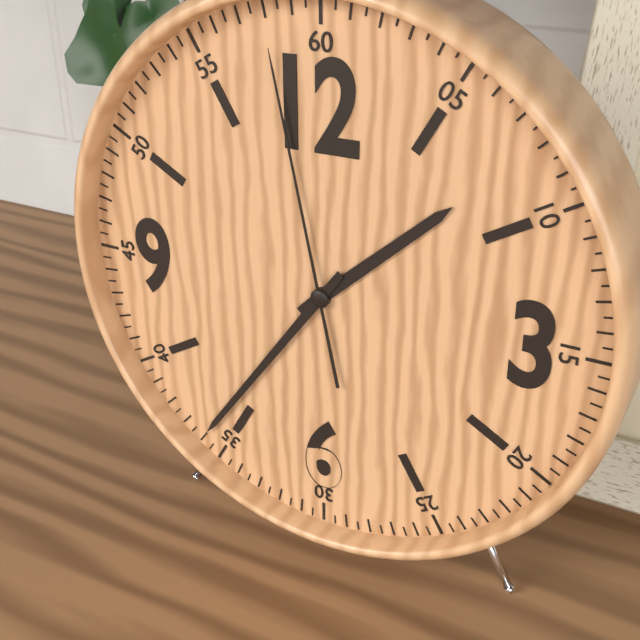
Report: h=1 m=36 s=58
